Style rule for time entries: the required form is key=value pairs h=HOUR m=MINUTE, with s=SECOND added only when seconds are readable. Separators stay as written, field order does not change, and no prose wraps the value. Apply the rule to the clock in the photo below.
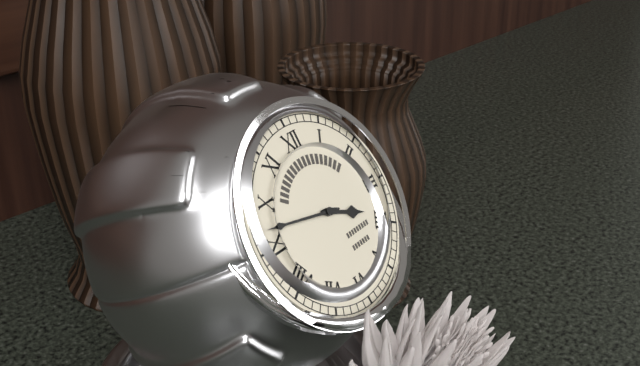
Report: h=3 m=47
